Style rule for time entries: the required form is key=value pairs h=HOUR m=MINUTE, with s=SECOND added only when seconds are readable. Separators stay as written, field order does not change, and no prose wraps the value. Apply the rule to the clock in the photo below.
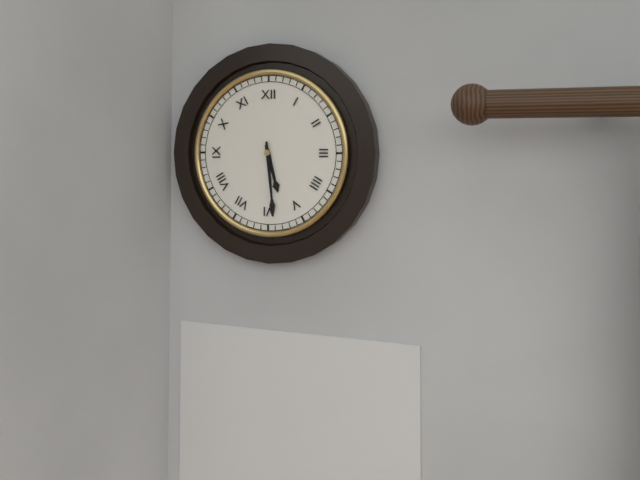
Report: h=5 m=29
